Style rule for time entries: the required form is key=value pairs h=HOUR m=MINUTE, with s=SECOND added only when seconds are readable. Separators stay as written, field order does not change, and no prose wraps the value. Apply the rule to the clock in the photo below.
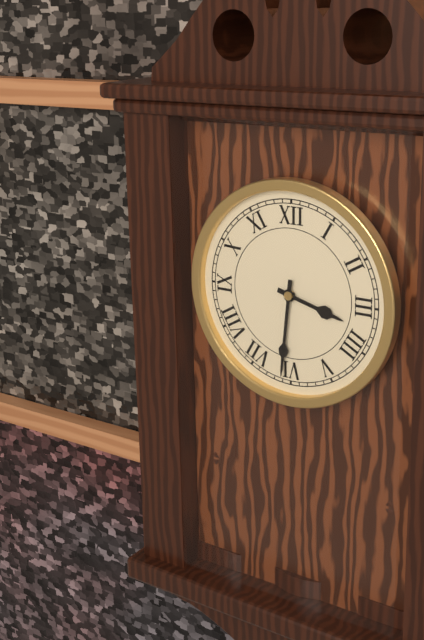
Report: h=3 m=31
